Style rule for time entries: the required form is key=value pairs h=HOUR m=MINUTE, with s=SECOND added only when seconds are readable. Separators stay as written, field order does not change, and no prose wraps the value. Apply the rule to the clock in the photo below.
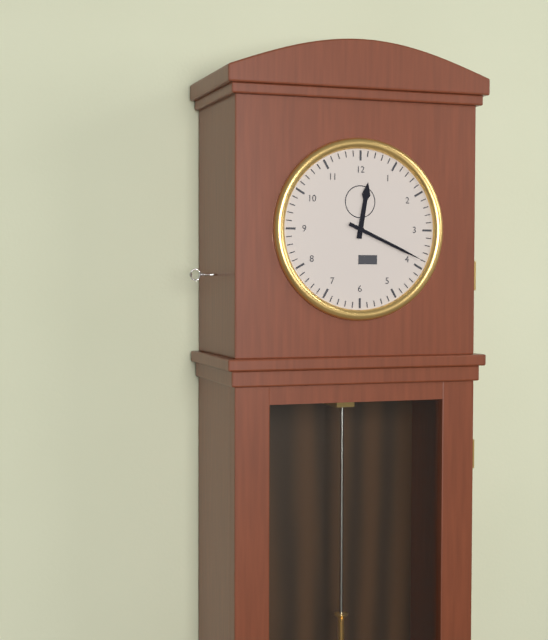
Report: h=12 m=19
